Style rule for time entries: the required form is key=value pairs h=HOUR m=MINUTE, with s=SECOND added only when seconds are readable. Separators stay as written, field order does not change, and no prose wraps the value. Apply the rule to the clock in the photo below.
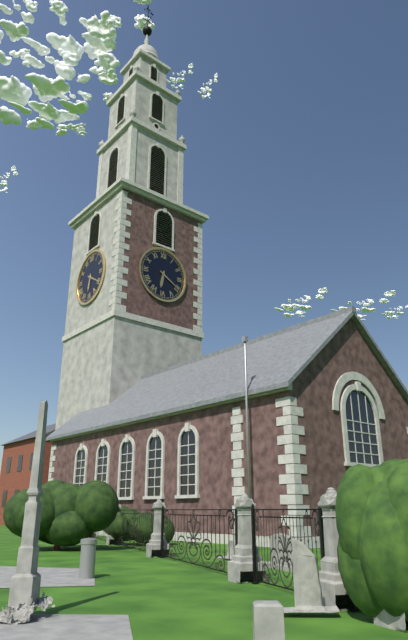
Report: h=6 m=20
